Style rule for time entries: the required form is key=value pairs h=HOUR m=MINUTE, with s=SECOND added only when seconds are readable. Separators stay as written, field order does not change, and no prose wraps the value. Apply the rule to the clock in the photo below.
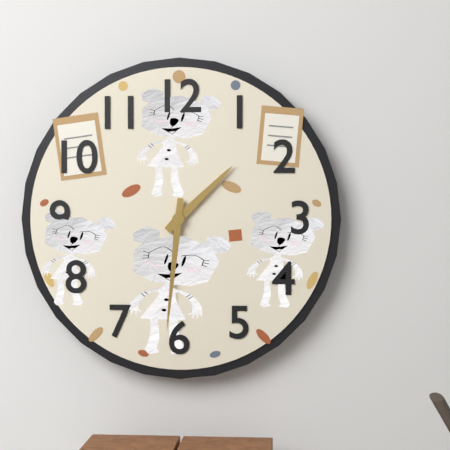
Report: h=1 m=31
